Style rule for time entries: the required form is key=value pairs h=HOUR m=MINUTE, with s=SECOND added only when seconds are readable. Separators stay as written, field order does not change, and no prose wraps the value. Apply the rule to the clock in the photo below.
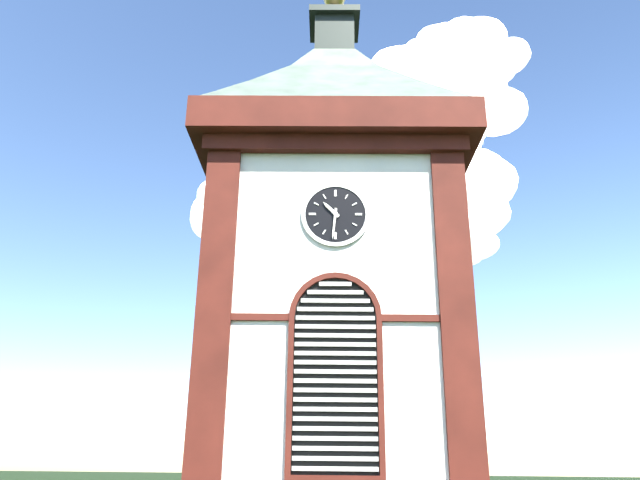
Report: h=10 m=31
